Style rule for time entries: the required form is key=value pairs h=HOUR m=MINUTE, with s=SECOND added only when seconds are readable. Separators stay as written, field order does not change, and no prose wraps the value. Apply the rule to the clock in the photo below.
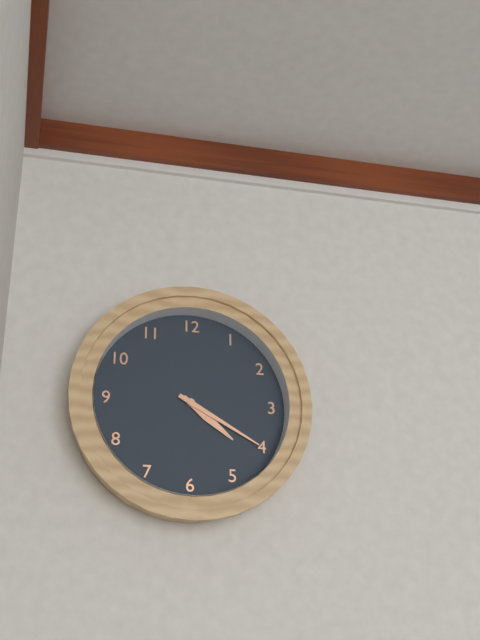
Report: h=4 m=20
